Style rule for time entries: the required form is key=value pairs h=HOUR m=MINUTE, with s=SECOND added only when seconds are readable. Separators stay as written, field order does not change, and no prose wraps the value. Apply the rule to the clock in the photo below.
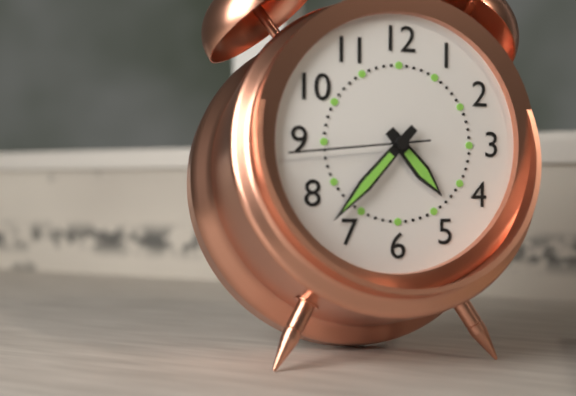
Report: h=4 m=37 s=44
